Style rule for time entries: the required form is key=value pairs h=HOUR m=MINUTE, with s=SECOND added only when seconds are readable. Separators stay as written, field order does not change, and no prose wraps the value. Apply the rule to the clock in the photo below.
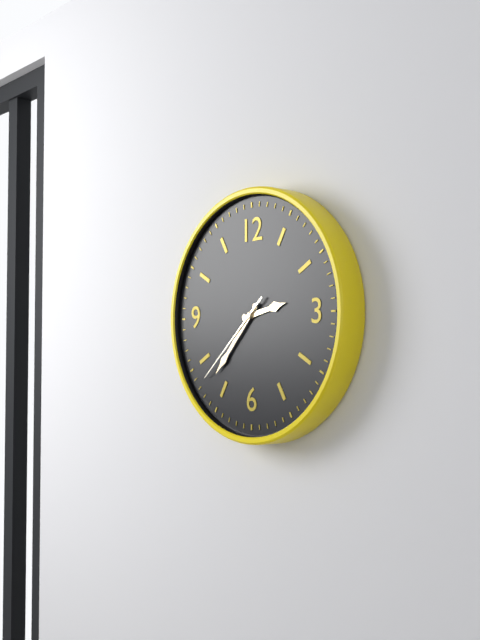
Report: h=2 m=37 s=38
